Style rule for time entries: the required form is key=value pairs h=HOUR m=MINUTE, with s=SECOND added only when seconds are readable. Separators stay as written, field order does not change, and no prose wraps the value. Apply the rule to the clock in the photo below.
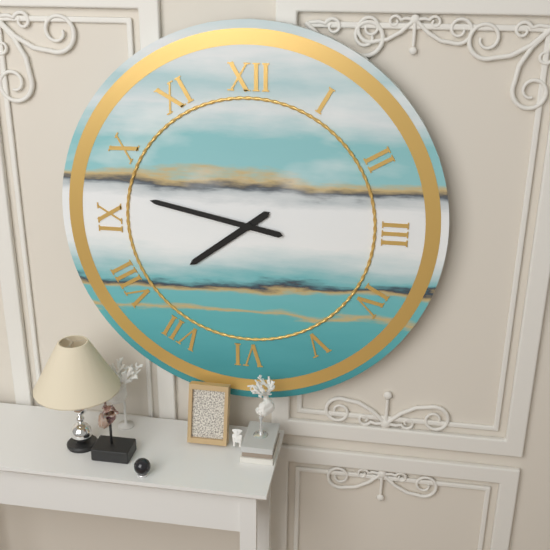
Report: h=7 m=47
